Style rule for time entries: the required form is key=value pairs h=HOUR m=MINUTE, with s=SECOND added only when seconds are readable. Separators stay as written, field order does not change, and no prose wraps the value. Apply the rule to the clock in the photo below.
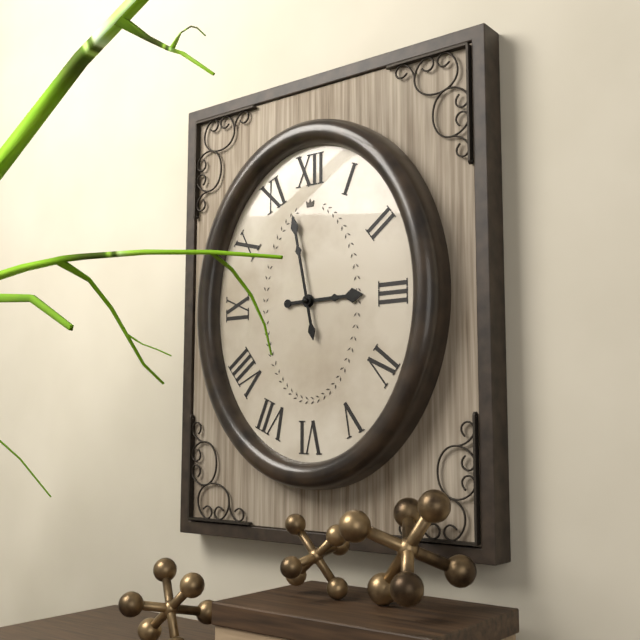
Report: h=2 m=58
